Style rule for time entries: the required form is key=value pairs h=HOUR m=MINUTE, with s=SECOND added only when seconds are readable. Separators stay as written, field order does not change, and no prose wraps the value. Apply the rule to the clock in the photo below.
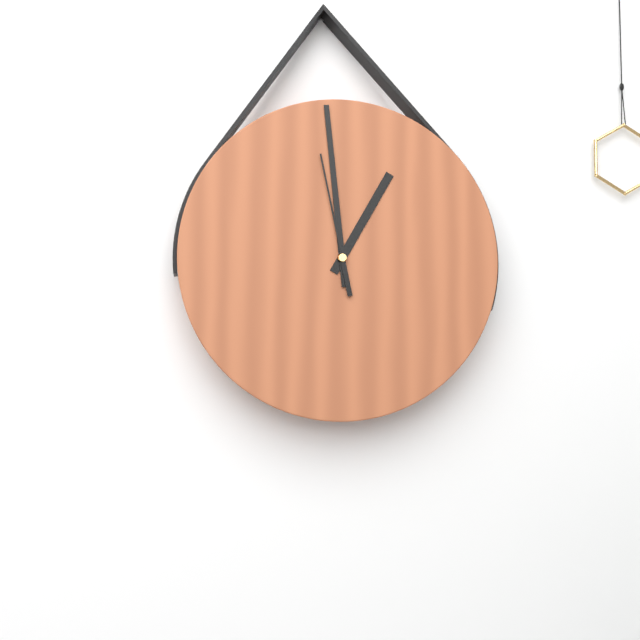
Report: h=12 m=59 s=58
